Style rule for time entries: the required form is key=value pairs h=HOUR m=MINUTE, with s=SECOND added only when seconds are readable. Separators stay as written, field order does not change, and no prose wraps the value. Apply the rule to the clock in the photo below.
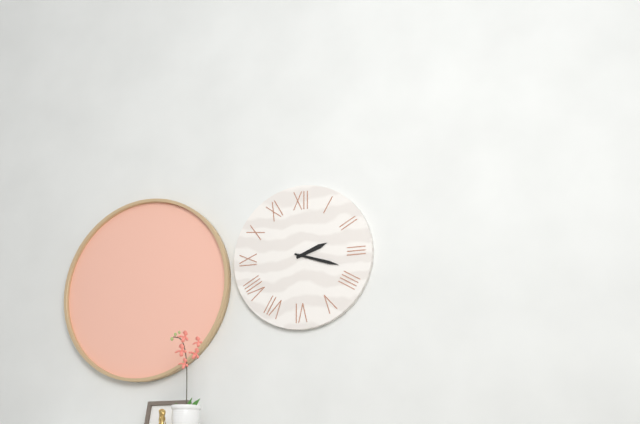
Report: h=2 m=18
